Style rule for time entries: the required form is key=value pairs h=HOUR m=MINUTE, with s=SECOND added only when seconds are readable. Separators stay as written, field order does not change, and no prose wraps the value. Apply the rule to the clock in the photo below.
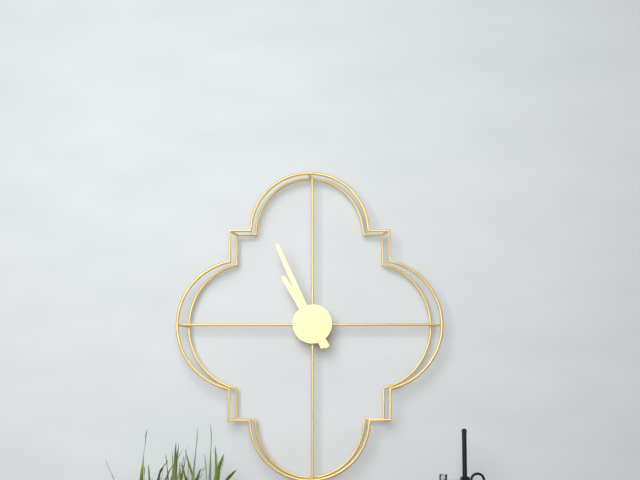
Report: h=10 m=56
